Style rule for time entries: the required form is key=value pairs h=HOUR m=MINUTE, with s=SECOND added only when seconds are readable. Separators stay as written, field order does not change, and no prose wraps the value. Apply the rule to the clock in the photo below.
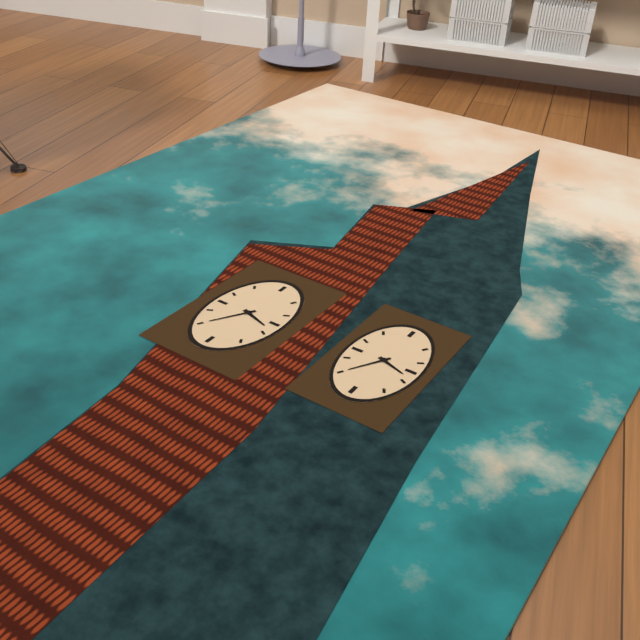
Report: h=3 m=35
